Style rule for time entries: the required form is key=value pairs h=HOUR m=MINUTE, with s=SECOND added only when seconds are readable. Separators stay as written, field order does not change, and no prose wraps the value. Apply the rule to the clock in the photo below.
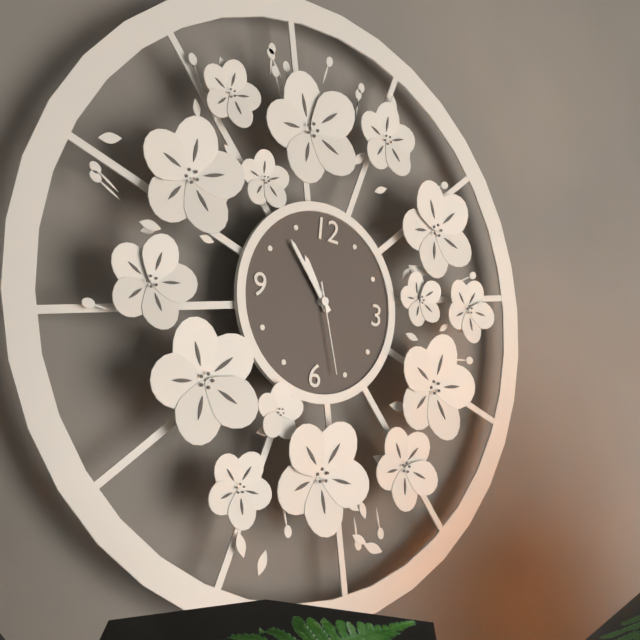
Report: h=10 m=53 s=27
